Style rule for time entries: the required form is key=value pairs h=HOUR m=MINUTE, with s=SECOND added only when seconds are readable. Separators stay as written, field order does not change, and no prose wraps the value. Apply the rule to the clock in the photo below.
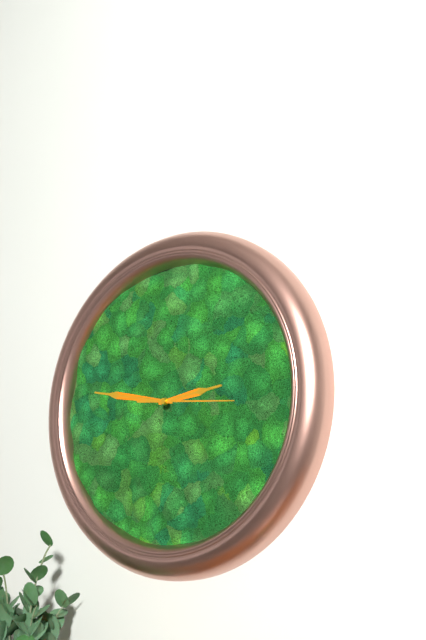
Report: h=2 m=47 s=16
